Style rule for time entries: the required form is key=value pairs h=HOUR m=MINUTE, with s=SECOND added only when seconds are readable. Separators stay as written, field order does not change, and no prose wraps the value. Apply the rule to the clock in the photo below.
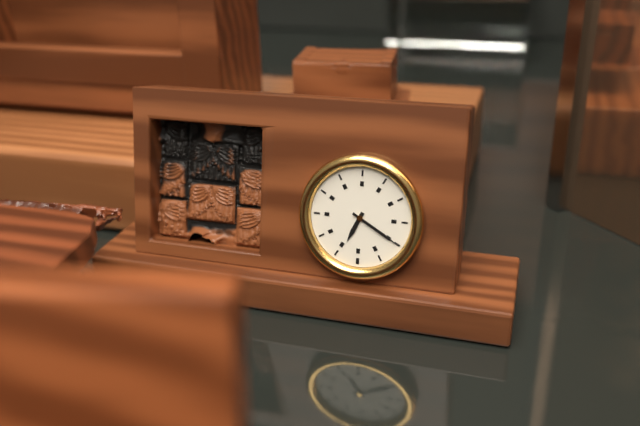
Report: h=12 m=50
